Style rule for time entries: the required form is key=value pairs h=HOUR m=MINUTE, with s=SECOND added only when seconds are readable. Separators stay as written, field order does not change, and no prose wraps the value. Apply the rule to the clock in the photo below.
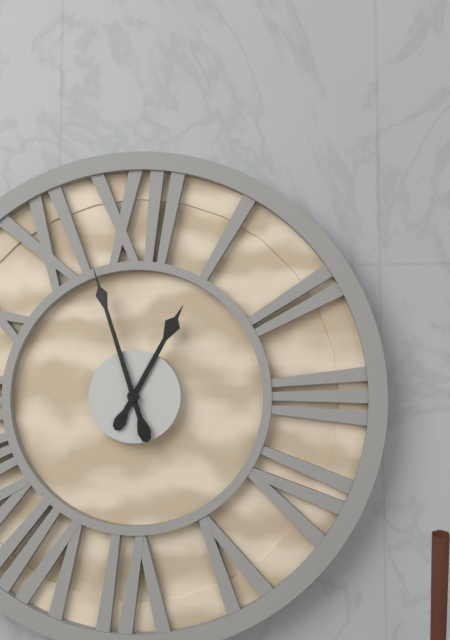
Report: h=12 m=57
